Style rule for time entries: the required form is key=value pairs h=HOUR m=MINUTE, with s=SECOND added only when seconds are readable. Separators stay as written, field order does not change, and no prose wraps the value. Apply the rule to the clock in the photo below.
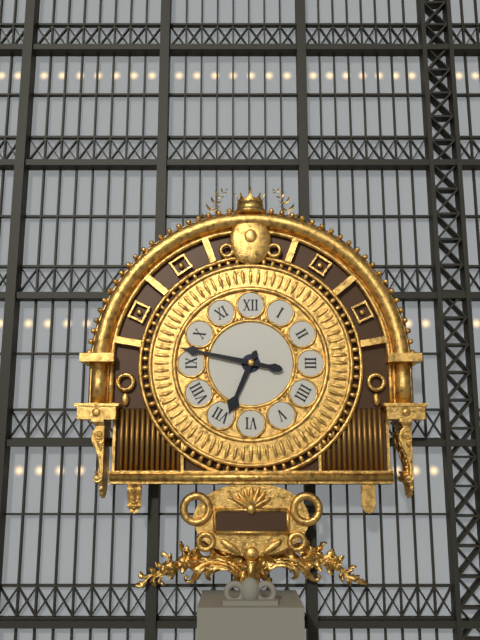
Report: h=6 m=47
